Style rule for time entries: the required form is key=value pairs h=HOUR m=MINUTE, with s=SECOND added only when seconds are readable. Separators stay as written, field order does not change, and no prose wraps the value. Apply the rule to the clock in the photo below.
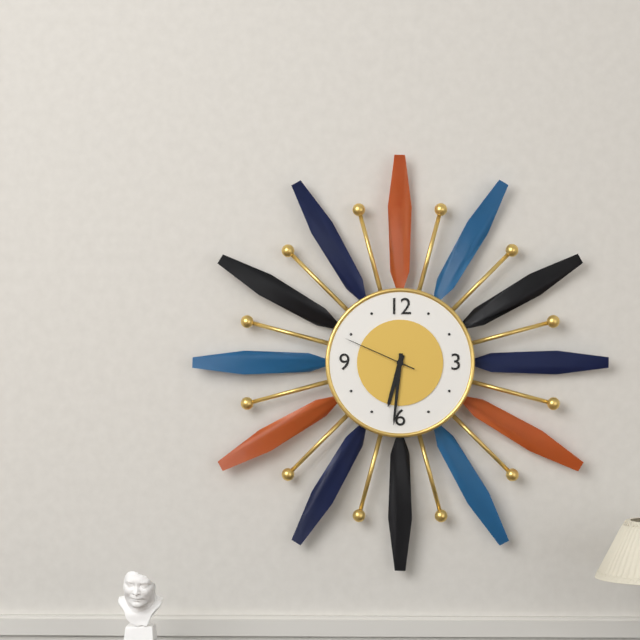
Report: h=6 m=31 s=49
